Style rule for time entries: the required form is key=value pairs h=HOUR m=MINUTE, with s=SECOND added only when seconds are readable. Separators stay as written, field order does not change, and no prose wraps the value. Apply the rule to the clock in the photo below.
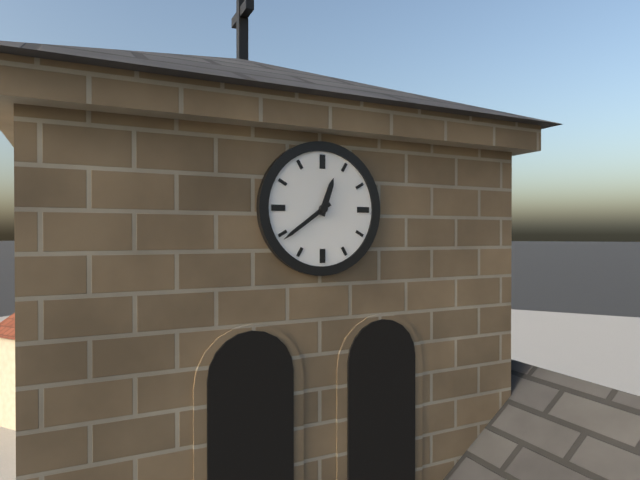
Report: h=12 m=39
